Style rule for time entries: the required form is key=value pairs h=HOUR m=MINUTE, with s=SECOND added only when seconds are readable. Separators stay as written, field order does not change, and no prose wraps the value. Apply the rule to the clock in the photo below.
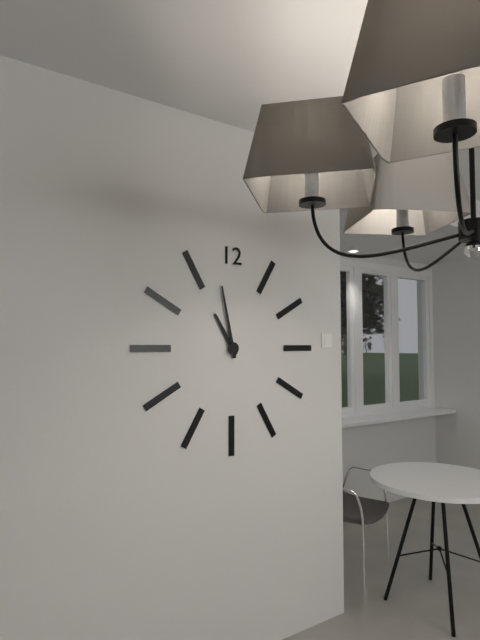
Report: h=10 m=58
